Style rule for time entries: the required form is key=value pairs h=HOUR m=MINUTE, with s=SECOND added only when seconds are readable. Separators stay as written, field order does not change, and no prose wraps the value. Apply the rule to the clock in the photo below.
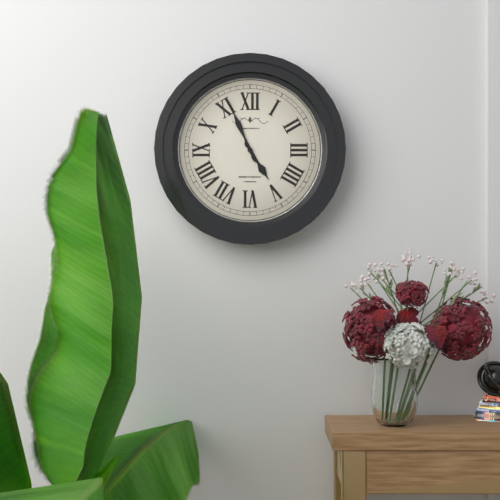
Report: h=4 m=56
